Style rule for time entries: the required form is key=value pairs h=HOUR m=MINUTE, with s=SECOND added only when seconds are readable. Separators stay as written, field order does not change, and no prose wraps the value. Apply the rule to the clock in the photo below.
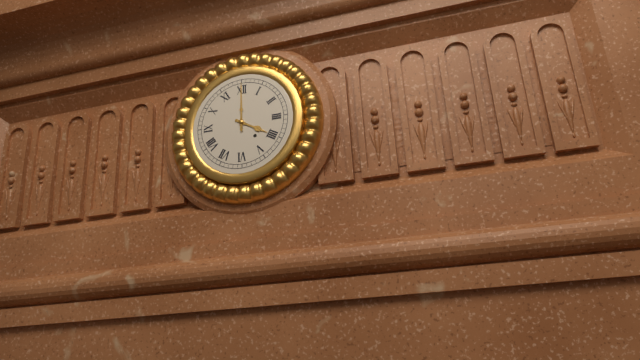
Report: h=4 m=0
